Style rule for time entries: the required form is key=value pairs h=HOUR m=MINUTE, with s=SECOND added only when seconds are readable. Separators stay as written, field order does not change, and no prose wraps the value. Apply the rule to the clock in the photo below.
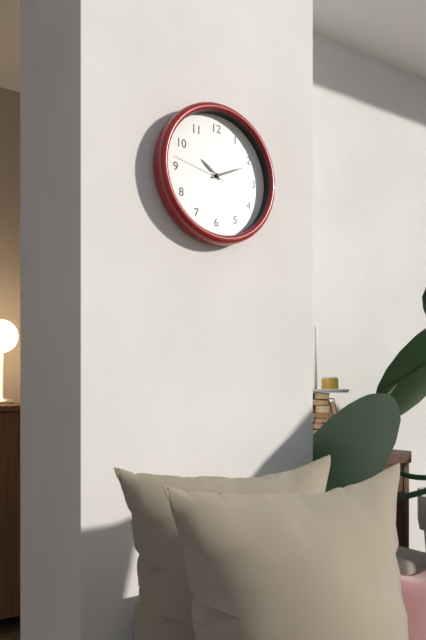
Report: h=10 m=11 s=47
